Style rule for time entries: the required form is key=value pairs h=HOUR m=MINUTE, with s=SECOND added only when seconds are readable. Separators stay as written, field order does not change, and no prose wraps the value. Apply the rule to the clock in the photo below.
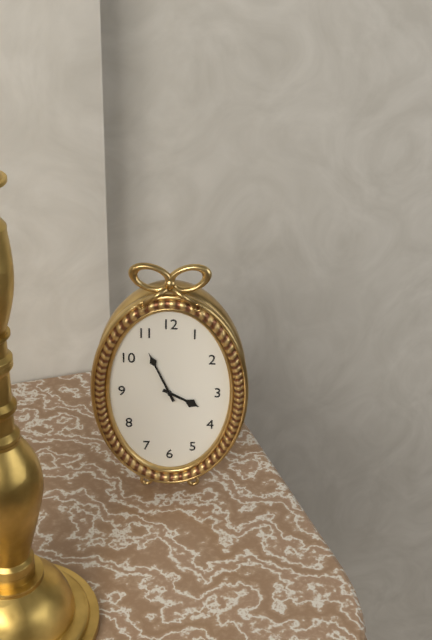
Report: h=3 m=56
